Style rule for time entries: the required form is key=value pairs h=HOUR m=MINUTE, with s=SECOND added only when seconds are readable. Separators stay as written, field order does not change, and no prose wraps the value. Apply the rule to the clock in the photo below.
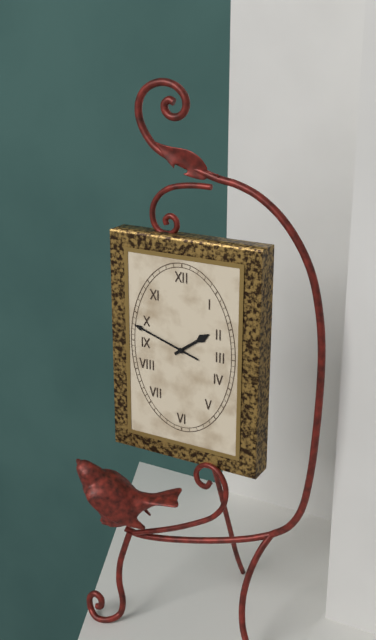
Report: h=1 m=48
